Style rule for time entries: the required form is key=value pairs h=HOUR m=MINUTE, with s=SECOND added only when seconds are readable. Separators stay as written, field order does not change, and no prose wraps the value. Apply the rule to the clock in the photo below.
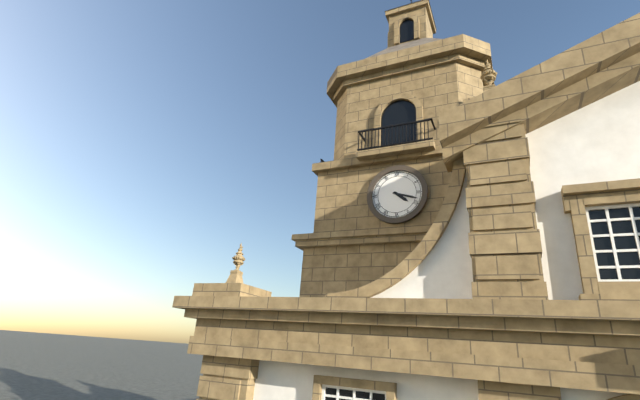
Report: h=4 m=18
